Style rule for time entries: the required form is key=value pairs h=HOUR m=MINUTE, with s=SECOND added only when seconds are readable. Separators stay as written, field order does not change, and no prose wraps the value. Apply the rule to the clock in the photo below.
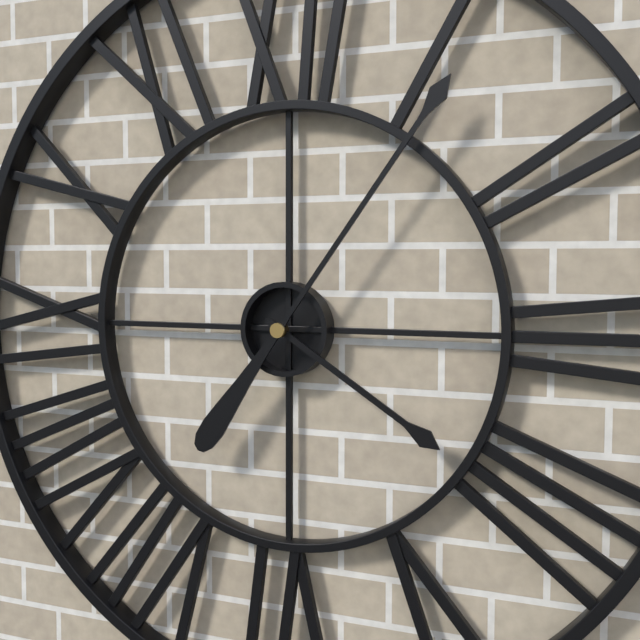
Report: h=4 m=6
